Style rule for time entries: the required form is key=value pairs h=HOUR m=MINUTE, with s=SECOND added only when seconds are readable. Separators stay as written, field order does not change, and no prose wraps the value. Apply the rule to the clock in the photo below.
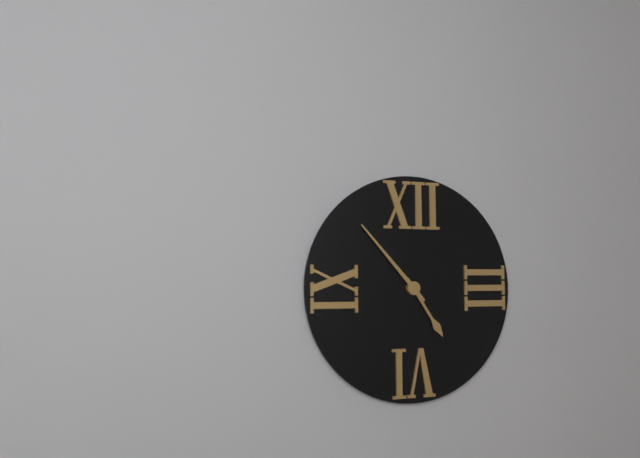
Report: h=4 m=53
